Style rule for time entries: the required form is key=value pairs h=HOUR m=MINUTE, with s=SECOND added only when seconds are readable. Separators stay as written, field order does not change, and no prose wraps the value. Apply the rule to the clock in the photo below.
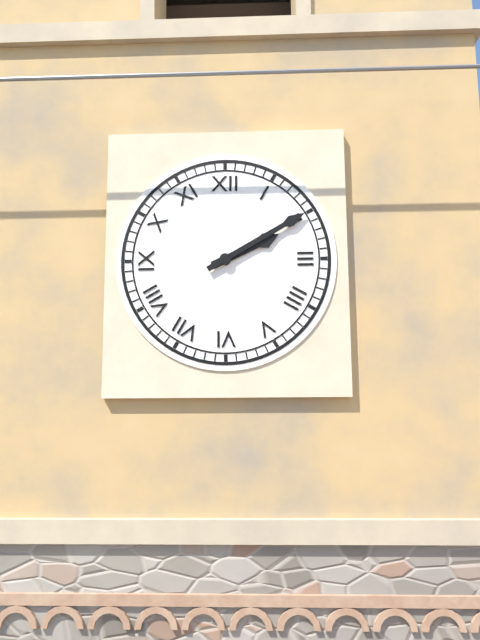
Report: h=2 m=10
